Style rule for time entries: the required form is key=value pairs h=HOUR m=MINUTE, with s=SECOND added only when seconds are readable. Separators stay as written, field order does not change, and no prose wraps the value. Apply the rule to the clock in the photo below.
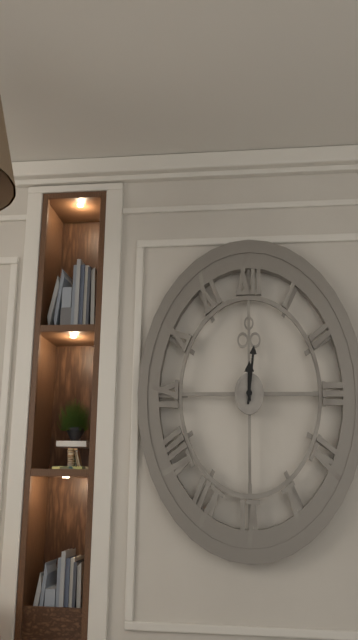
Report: h=12 m=1
